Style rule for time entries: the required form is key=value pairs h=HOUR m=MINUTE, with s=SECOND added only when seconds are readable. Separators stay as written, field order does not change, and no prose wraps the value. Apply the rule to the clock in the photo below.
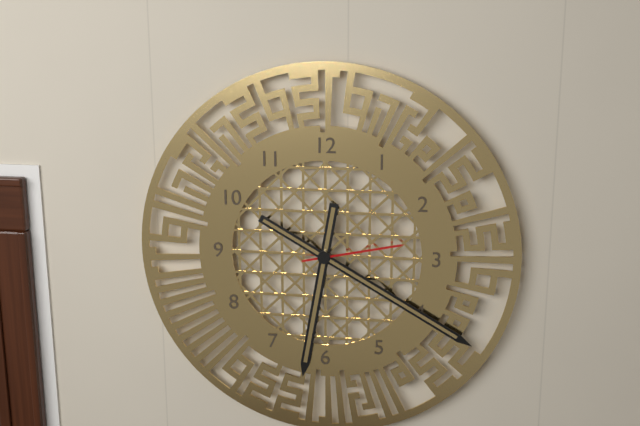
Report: h=6 m=20 s=13
